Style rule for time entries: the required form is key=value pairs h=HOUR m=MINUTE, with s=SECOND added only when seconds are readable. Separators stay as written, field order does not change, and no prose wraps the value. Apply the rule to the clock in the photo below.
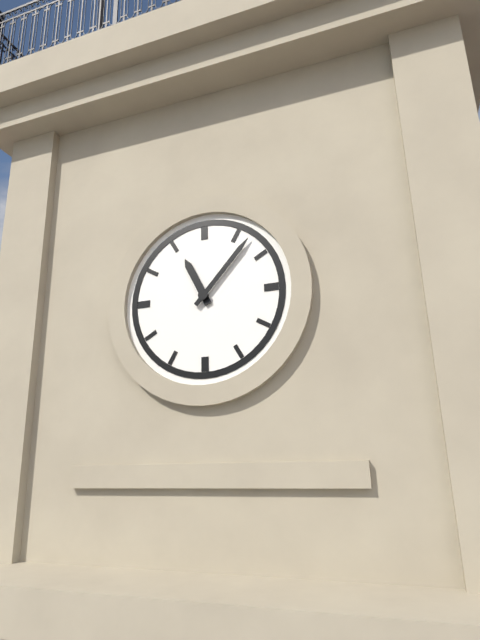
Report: h=11 m=7
